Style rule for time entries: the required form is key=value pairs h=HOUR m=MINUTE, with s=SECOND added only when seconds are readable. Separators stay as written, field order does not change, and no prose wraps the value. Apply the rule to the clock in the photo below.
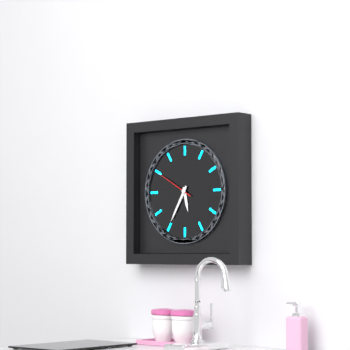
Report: h=5 m=35
